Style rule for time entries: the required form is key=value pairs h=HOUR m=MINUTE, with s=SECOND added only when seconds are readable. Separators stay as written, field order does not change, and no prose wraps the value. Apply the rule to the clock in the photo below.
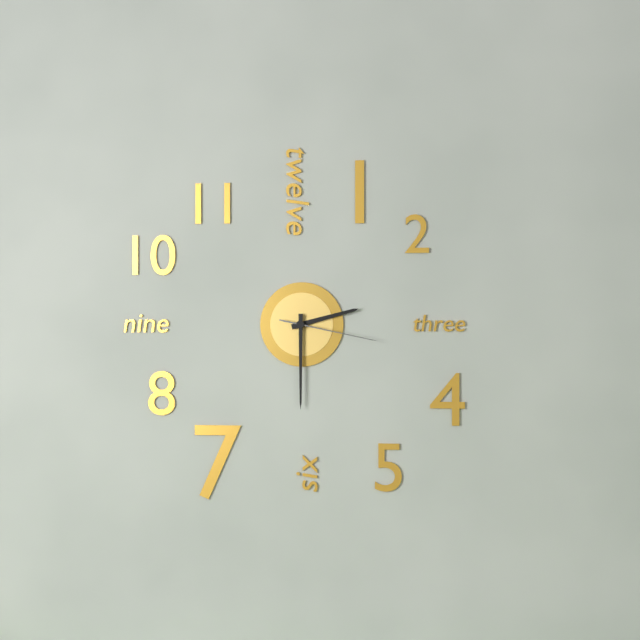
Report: h=2 m=30 s=17
